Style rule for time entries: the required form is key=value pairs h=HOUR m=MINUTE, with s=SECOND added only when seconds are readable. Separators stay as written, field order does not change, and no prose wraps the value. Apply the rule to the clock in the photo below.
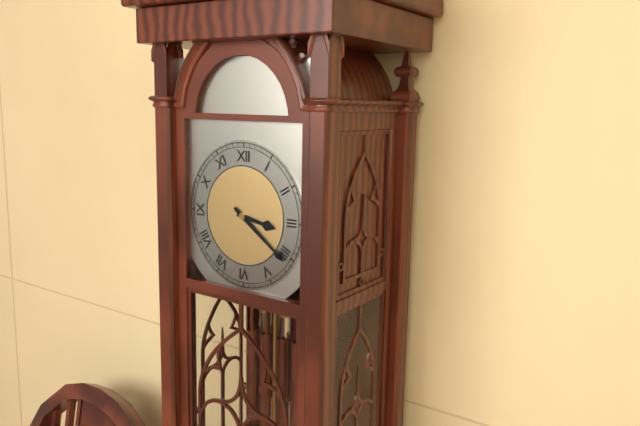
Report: h=3 m=21
